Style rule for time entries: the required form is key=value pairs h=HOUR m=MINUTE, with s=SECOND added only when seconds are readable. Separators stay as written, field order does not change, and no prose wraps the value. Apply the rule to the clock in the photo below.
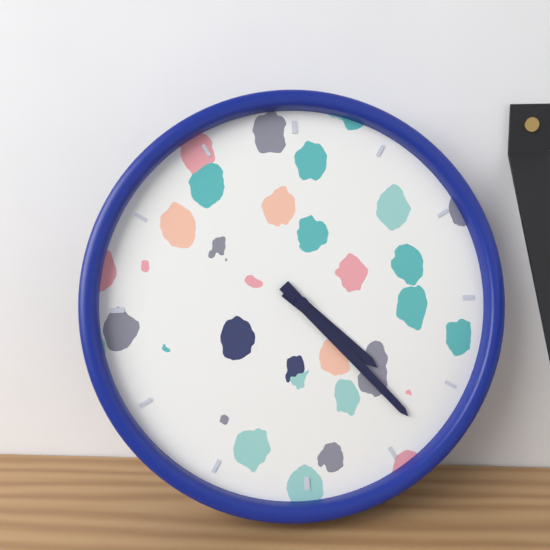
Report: h=4 m=23
